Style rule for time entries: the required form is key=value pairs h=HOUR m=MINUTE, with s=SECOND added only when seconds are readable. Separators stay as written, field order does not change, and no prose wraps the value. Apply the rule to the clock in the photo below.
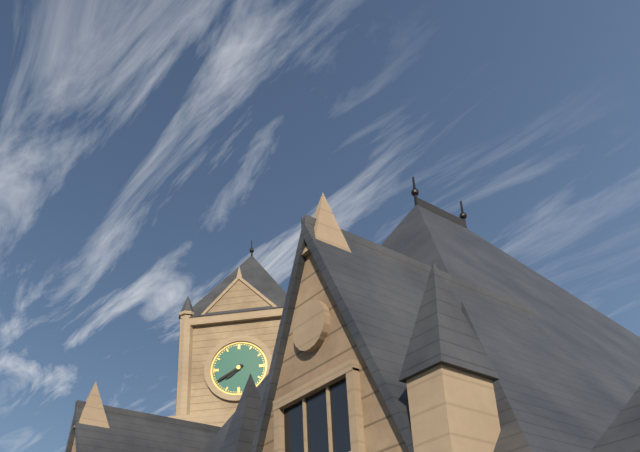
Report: h=7 m=40
